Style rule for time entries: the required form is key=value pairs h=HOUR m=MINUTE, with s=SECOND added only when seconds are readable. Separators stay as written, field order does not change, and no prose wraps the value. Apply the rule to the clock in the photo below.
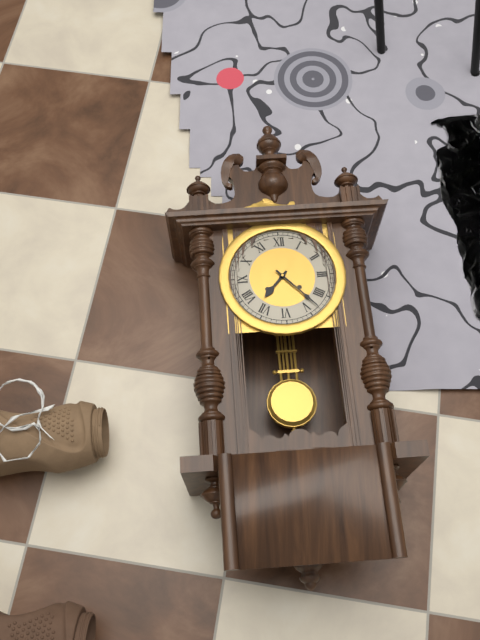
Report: h=7 m=23
